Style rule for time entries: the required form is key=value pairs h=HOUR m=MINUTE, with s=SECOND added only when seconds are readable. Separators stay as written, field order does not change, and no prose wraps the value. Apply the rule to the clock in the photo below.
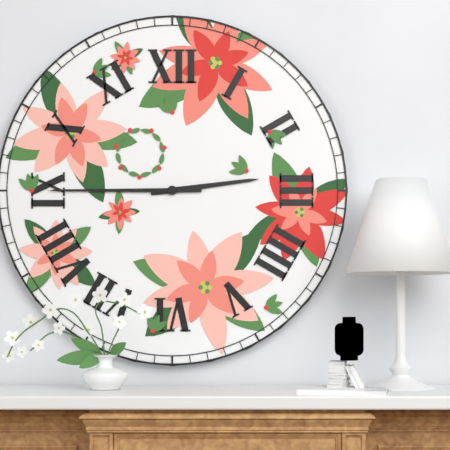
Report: h=2 m=45
